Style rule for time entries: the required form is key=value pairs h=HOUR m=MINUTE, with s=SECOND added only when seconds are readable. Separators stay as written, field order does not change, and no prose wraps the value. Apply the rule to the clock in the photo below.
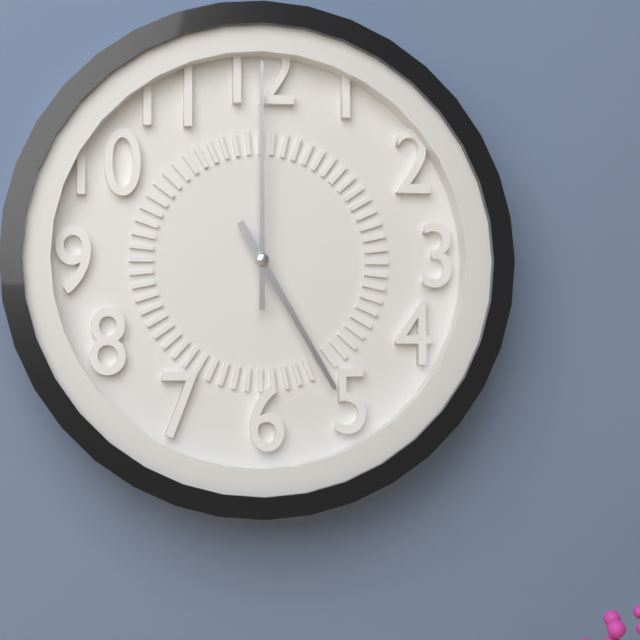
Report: h=5 m=0
